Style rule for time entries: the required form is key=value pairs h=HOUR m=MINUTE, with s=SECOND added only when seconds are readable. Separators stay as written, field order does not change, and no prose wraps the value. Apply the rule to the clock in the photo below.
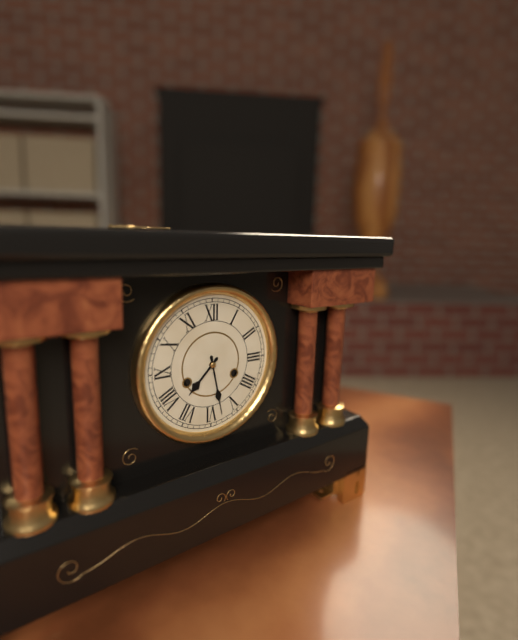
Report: h=7 m=28
